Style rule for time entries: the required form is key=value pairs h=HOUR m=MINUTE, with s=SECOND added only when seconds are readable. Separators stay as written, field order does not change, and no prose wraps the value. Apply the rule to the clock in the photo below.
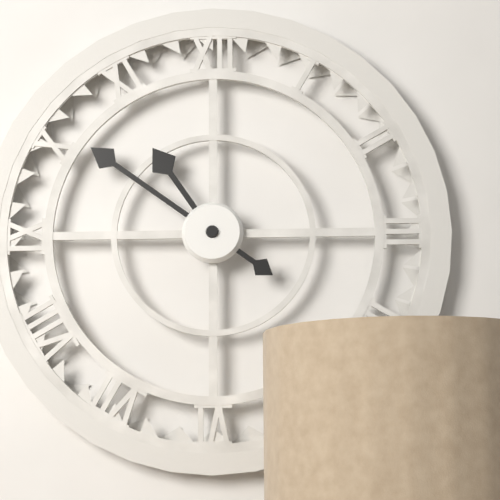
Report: h=10 m=51
